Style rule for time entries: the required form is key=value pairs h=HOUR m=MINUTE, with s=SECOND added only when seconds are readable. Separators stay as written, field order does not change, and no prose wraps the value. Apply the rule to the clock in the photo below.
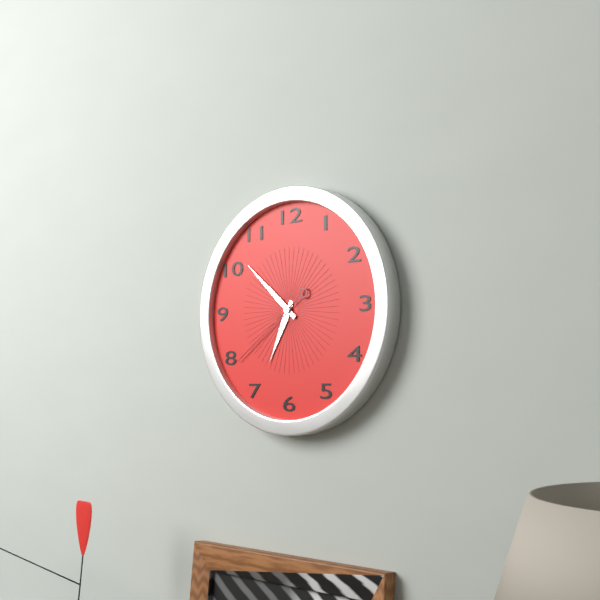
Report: h=6 m=52 s=39
